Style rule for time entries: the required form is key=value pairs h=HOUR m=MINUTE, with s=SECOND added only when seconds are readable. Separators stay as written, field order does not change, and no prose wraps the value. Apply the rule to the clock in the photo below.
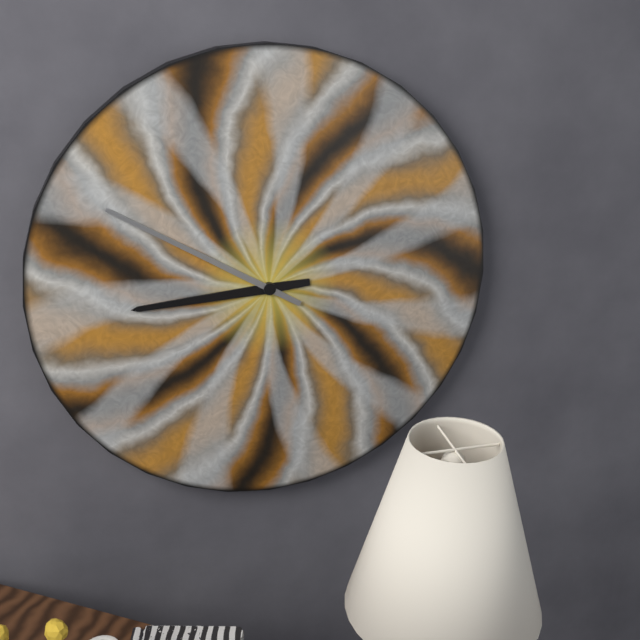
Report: h=8 m=50
